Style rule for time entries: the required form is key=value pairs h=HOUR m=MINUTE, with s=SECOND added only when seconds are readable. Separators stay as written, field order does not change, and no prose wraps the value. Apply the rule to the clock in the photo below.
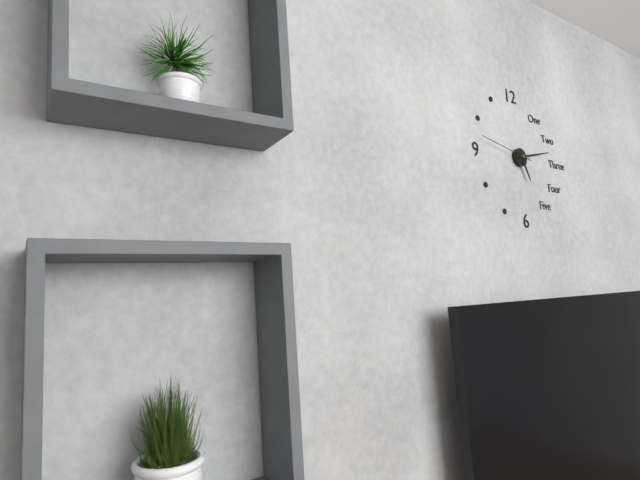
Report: h=5 m=13 s=47
